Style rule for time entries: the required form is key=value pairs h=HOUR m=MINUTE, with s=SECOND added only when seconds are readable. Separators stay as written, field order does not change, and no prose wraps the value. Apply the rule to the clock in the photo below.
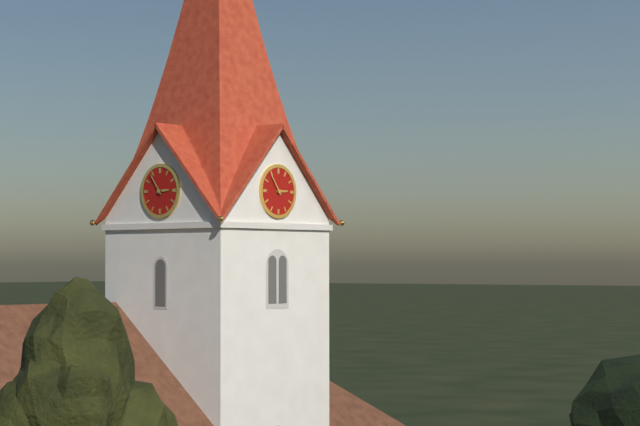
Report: h=2 m=54
